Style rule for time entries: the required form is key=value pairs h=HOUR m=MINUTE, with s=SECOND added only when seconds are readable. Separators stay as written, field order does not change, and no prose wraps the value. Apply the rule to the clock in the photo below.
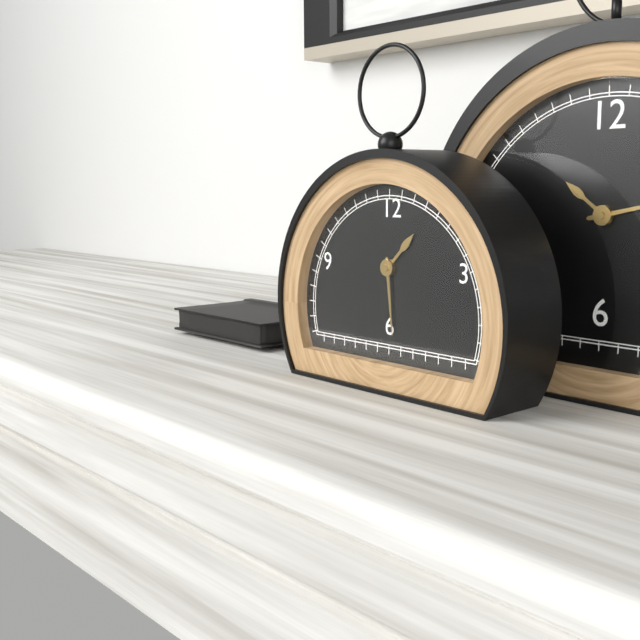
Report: h=1 m=29
